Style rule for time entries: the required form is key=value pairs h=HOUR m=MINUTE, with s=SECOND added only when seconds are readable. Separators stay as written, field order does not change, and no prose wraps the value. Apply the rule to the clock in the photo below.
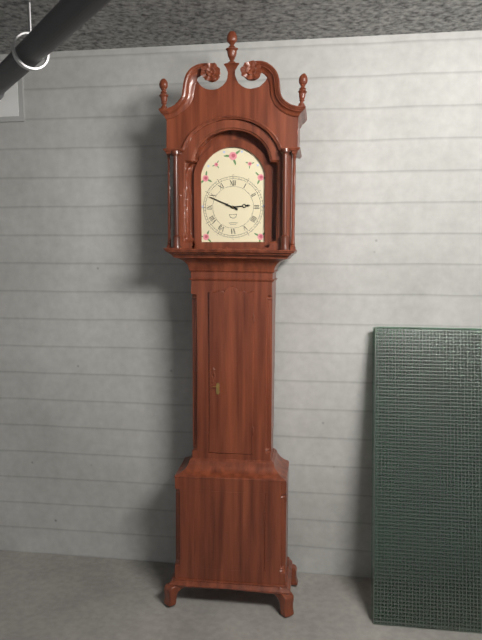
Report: h=2 m=49
